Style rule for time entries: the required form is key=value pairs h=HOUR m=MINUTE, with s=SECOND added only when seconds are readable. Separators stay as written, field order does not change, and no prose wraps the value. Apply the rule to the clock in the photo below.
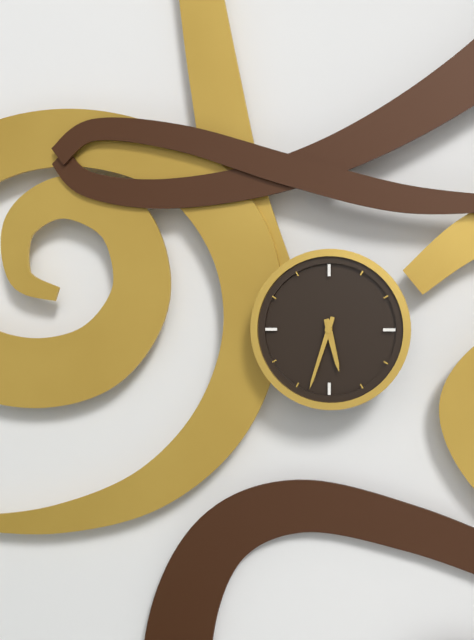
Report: h=5 m=33
